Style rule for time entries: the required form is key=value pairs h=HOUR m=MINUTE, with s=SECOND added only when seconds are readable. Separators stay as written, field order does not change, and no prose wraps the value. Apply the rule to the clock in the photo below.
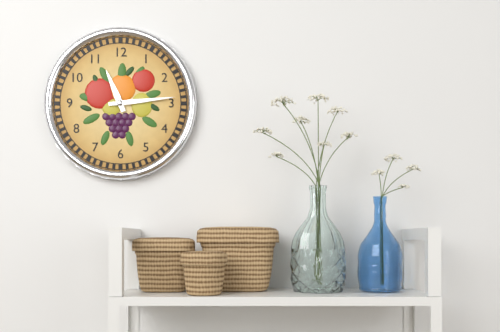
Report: h=11 m=14
